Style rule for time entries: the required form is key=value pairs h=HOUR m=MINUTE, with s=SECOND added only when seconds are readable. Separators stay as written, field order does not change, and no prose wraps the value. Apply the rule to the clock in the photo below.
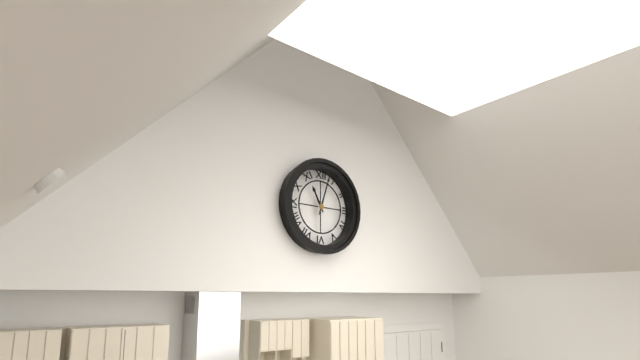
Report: h=11 m=3
